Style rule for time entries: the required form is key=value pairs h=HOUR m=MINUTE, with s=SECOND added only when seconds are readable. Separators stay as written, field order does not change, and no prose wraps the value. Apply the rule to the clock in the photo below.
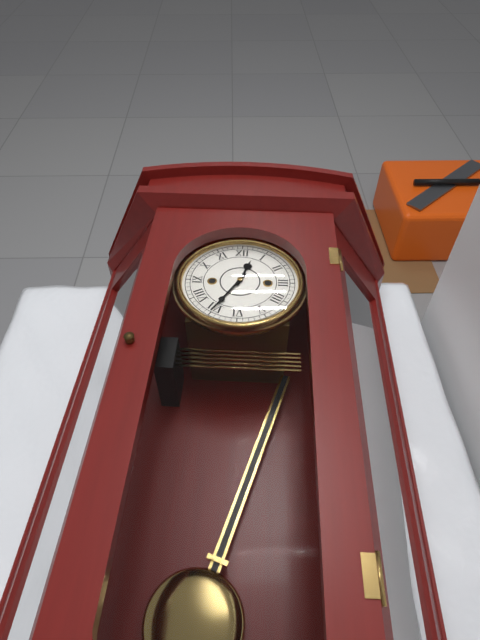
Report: h=12 m=35
